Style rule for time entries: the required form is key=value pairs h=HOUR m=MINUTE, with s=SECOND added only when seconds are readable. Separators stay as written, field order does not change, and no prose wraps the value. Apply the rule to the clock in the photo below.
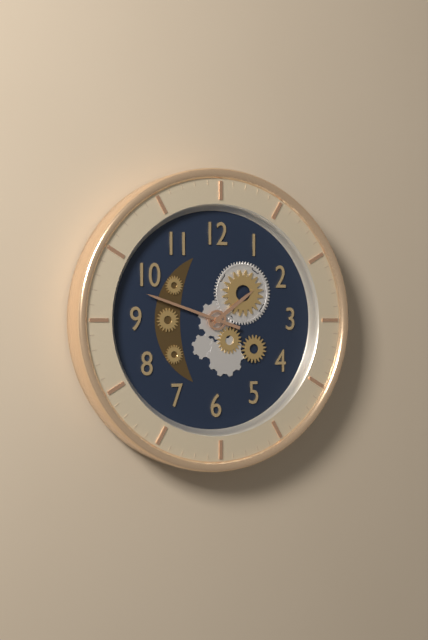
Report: h=1 m=48
